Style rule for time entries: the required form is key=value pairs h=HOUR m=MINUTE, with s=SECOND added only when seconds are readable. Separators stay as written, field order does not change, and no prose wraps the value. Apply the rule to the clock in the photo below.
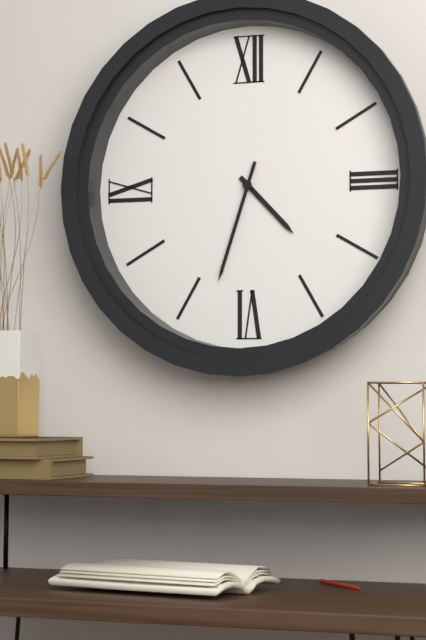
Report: h=4 m=33
